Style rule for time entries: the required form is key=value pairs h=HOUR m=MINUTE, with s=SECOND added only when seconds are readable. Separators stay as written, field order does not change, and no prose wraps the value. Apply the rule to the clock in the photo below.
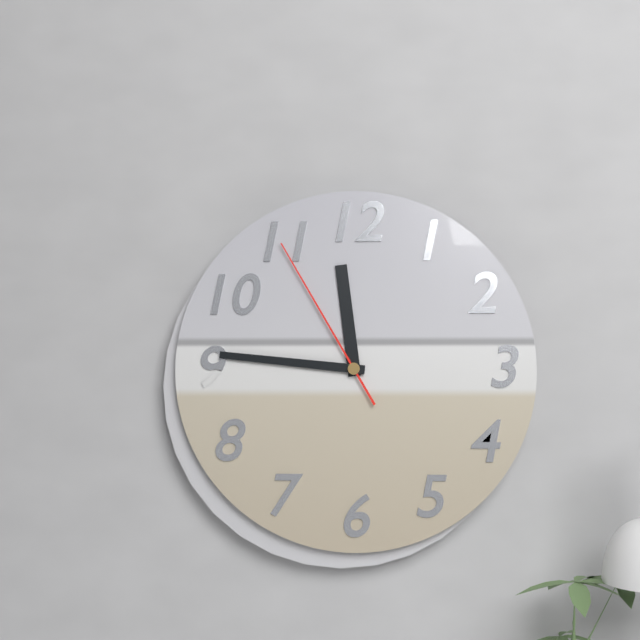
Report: h=11 m=46 s=55
